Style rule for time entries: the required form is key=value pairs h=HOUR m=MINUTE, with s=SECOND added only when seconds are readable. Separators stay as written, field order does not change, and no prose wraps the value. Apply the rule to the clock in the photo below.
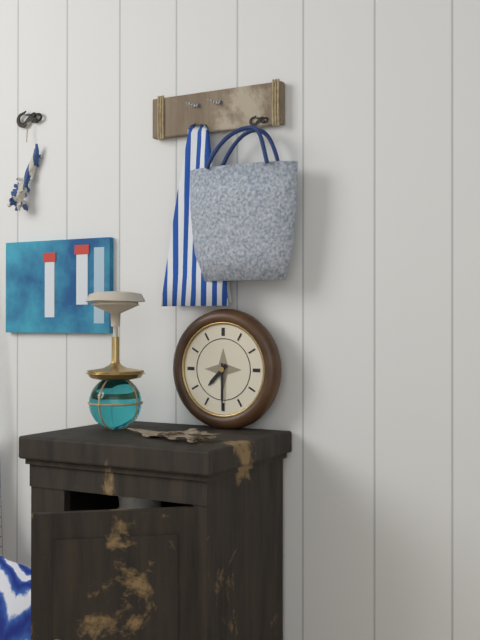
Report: h=7 m=30
